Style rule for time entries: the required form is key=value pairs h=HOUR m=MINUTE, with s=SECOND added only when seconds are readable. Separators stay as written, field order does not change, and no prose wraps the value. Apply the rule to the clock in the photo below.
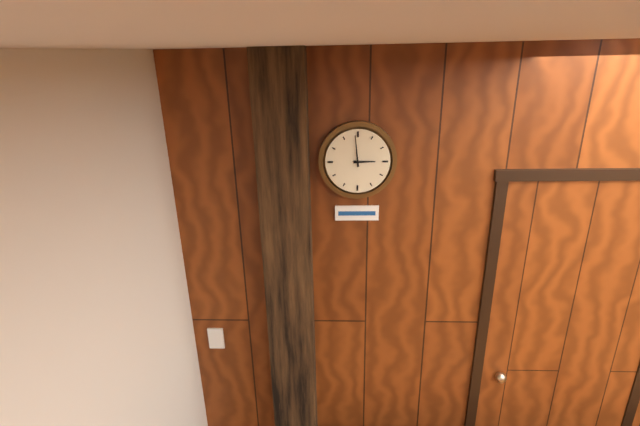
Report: h=2 m=59
